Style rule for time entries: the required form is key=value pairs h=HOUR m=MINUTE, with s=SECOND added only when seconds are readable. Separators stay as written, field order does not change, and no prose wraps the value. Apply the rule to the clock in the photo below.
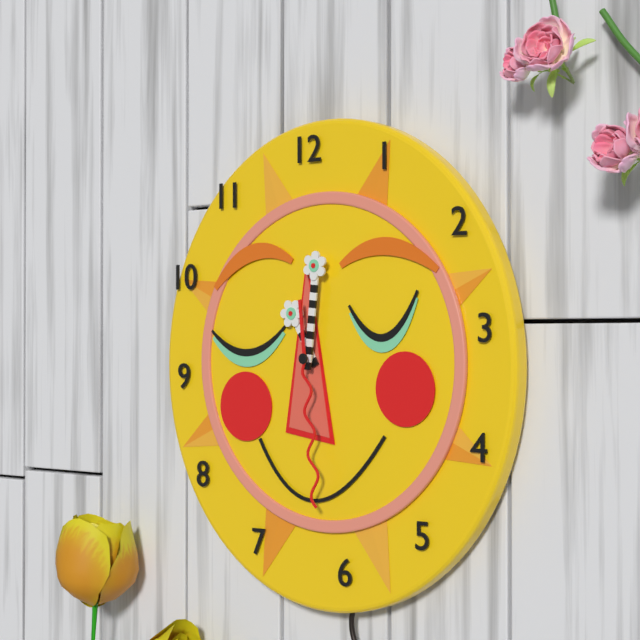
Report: h=11 m=1 s=29
